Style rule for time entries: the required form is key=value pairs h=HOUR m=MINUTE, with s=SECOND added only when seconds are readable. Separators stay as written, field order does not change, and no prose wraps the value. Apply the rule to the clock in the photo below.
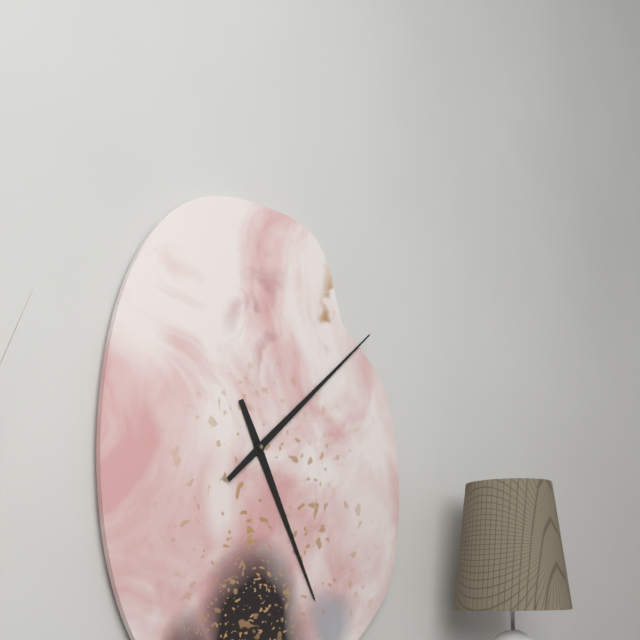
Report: h=5 m=8
